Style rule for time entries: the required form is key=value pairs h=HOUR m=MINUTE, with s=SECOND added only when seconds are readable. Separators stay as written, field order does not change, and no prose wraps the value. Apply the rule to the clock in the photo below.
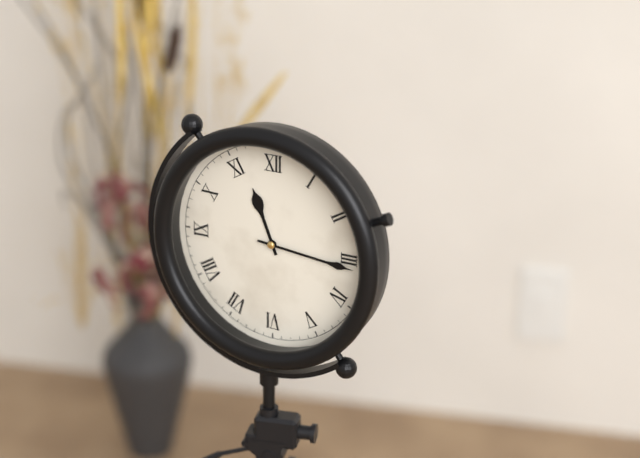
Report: h=11 m=16
